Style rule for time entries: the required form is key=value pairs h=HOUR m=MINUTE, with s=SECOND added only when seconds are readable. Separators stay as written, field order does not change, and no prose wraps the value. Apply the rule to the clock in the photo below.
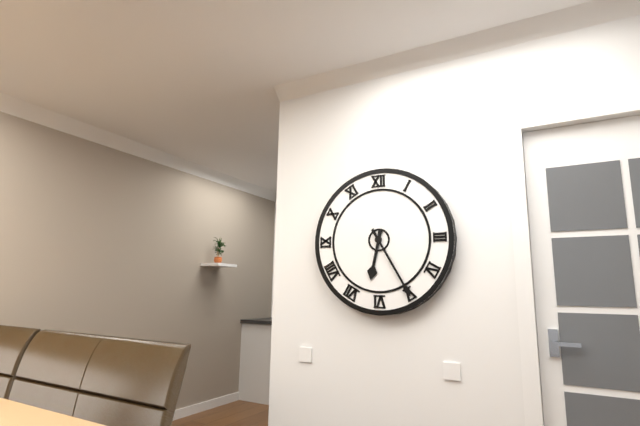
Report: h=6 m=25
